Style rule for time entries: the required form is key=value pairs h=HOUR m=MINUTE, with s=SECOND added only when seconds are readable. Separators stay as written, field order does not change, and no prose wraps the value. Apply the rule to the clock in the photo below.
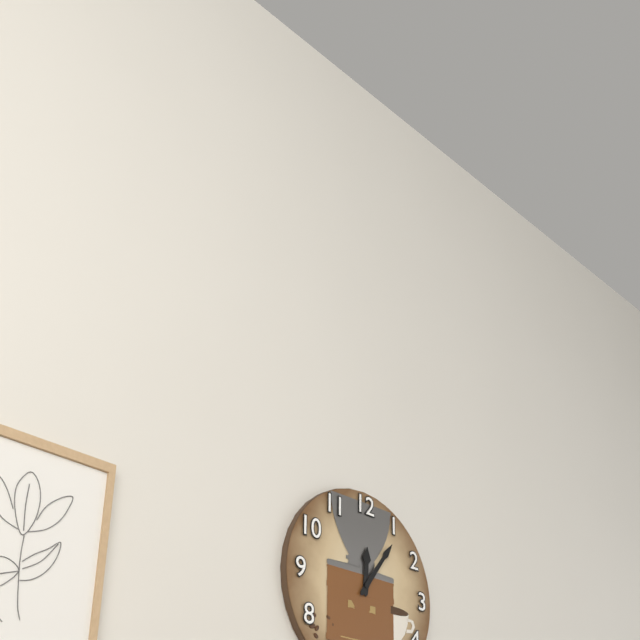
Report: h=12 m=6
